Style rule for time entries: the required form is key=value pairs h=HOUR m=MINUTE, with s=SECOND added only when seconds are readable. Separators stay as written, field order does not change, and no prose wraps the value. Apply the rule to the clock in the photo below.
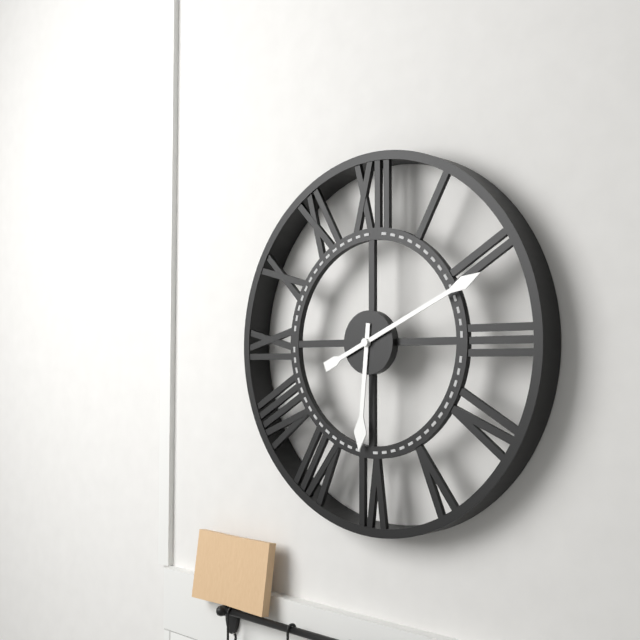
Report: h=6 m=11
